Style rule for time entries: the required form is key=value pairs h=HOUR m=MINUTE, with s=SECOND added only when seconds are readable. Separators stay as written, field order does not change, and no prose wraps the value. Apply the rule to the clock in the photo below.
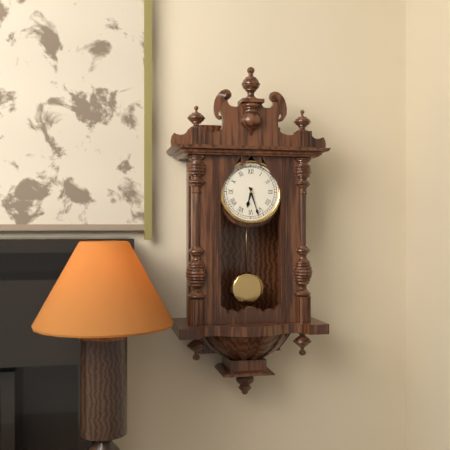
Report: h=6 m=27
